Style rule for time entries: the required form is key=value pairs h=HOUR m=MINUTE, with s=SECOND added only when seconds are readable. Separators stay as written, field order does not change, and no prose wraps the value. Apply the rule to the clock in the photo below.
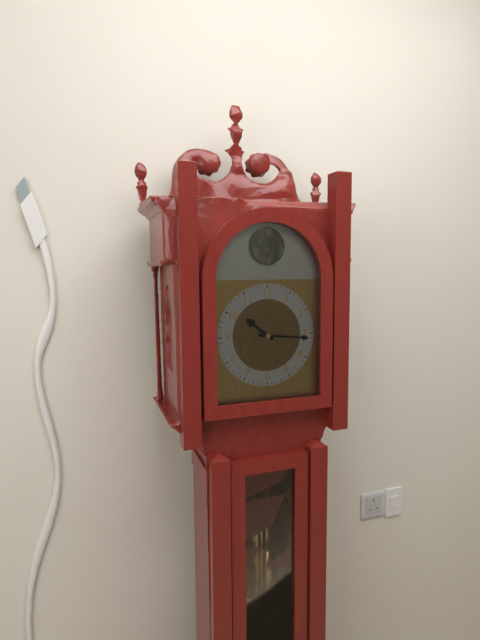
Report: h=10 m=16
